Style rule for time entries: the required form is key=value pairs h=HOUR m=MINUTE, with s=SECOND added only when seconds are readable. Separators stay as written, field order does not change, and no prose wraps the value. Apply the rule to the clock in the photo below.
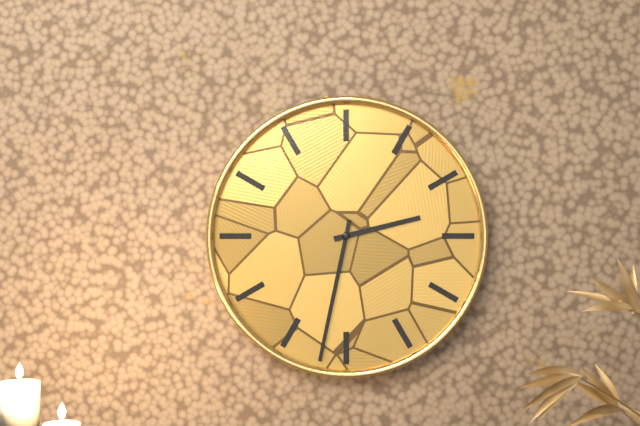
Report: h=2 m=32
